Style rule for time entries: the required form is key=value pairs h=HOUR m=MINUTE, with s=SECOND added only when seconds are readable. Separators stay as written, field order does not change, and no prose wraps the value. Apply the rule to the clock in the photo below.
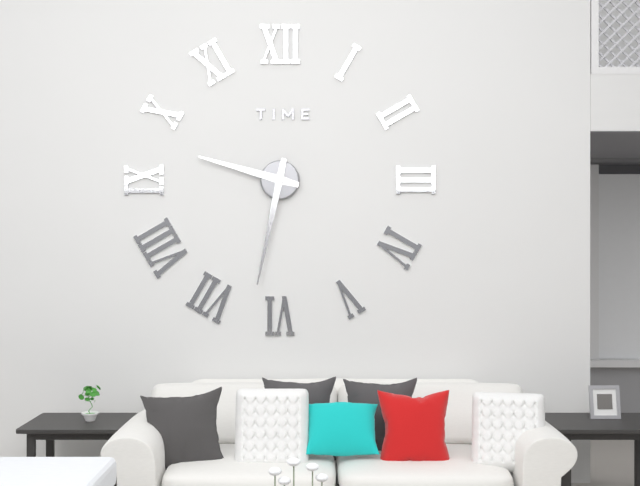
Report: h=9 m=32
